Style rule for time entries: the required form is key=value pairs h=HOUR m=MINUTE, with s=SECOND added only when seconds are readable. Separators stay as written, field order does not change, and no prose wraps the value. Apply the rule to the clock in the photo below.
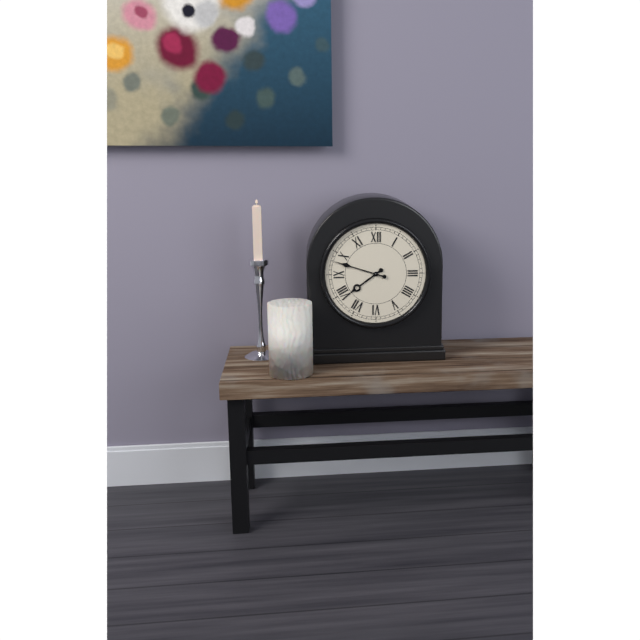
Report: h=7 m=48
